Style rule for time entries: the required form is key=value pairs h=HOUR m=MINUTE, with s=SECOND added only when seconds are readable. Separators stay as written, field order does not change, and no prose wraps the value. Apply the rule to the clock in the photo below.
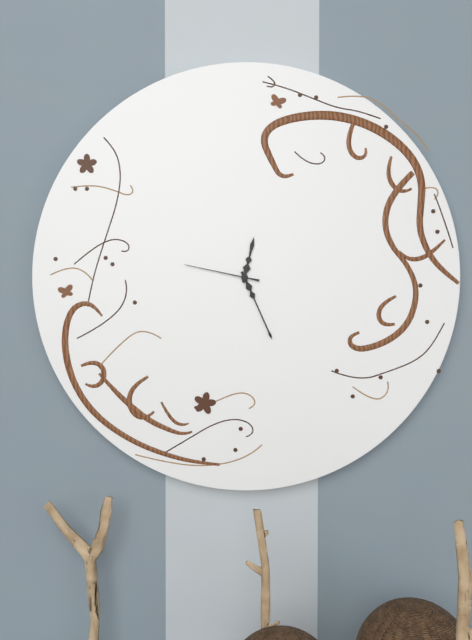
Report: h=12 m=26 s=47
